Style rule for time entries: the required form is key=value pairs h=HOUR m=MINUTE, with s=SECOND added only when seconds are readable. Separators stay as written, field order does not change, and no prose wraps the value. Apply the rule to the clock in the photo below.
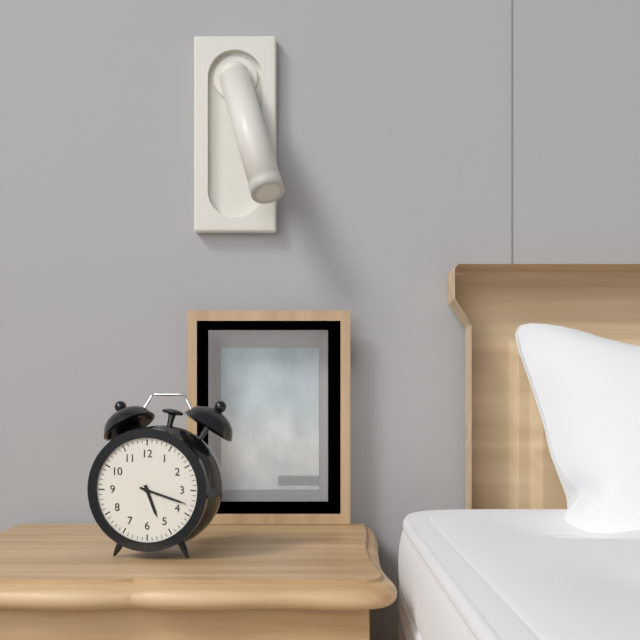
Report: h=5 m=18
